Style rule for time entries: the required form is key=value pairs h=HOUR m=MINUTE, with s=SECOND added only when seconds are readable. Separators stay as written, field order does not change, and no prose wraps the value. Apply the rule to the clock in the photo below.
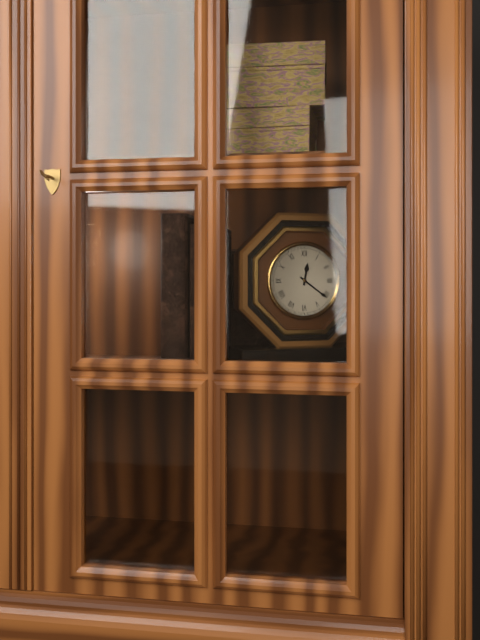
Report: h=12 m=21
